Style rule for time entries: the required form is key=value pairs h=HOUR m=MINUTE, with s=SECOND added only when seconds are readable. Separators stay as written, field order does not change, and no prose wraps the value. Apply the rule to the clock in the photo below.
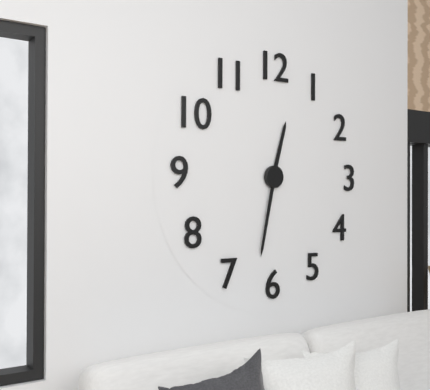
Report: h=12 m=32
